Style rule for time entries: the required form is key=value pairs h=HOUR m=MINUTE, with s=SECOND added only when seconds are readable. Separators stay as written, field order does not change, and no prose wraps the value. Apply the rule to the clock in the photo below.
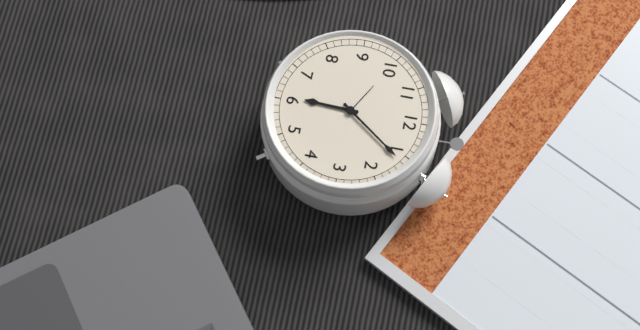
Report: h=6 m=6
